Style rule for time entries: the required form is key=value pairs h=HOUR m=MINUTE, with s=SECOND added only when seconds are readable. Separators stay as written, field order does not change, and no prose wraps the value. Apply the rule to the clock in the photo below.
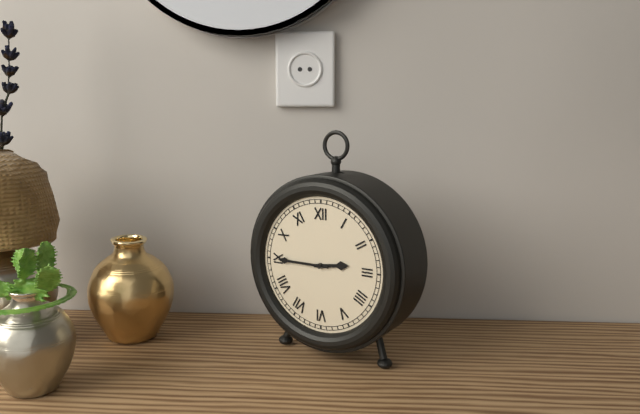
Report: h=2 m=45
